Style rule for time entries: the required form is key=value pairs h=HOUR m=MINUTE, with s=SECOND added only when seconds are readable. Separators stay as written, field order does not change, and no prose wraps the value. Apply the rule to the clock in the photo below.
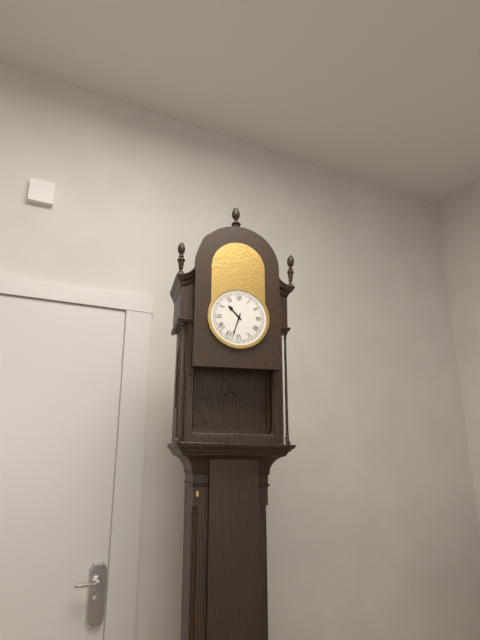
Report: h=10 m=33
